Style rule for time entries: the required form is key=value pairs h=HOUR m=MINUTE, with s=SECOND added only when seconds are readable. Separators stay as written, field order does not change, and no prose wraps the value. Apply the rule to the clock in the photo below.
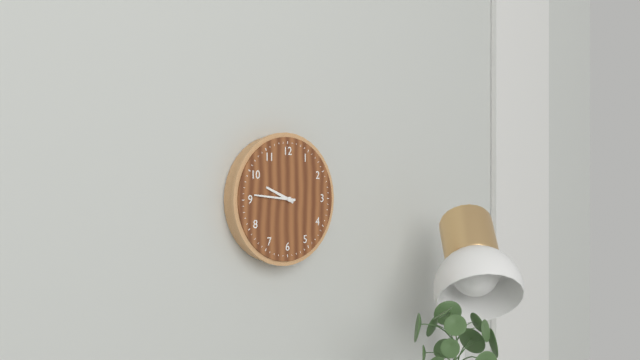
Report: h=9 m=46
